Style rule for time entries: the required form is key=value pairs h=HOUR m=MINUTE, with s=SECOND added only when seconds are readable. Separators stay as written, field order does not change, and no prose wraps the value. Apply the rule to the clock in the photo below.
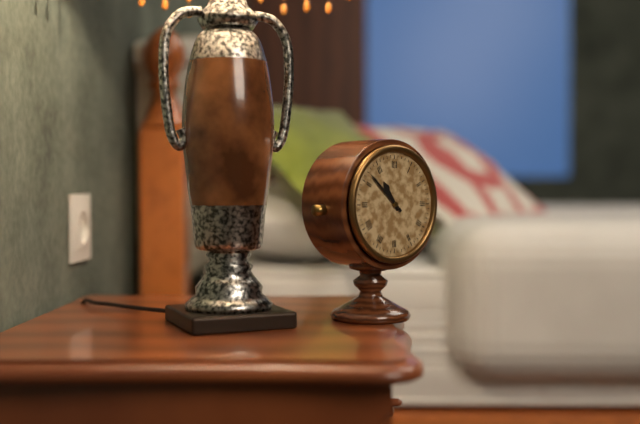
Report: h=10 m=52
